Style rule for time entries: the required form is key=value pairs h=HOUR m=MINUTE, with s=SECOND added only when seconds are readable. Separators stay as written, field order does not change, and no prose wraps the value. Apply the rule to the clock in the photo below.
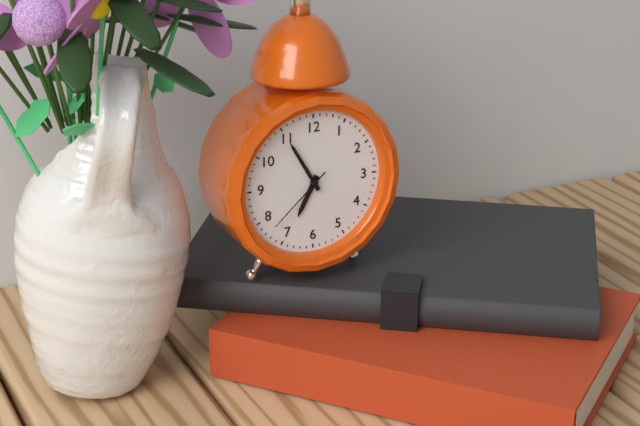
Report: h=6 m=55 s=38
